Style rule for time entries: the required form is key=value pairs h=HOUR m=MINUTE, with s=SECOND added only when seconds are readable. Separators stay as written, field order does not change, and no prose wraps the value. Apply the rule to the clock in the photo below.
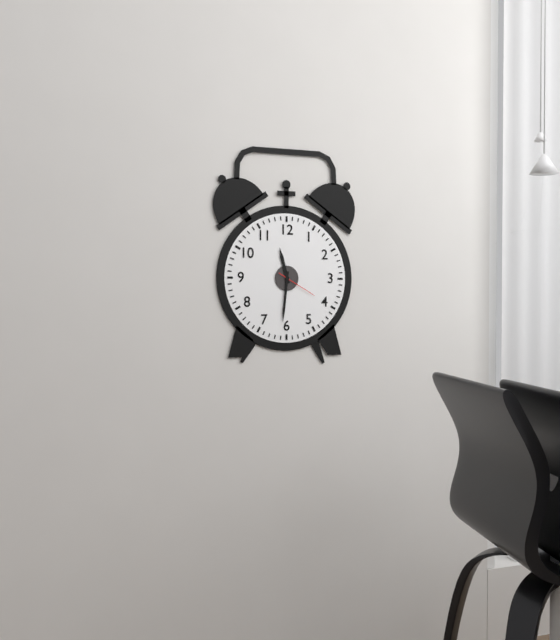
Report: h=11 m=31
